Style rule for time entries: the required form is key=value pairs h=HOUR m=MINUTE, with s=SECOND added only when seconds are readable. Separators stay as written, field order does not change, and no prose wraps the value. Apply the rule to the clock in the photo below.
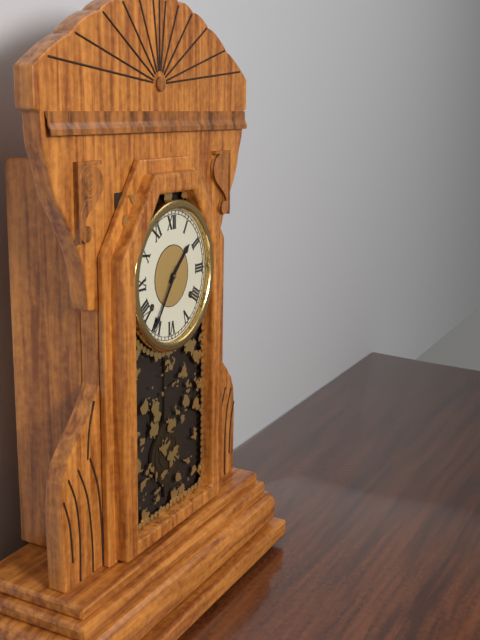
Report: h=1 m=36
